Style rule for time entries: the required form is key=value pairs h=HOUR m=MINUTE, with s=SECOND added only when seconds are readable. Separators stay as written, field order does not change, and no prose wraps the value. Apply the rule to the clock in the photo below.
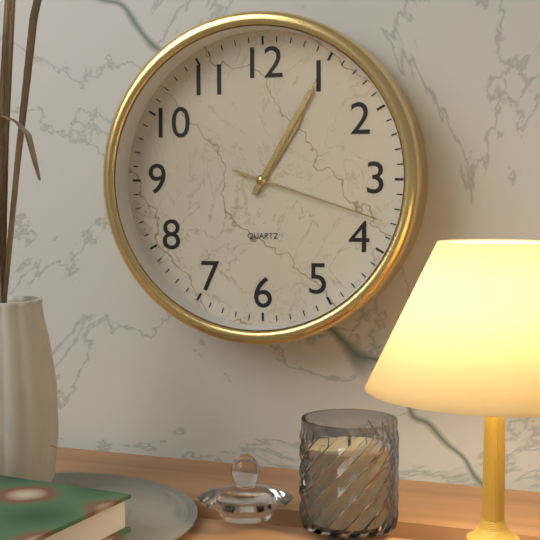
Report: h=1 m=5 s=18
